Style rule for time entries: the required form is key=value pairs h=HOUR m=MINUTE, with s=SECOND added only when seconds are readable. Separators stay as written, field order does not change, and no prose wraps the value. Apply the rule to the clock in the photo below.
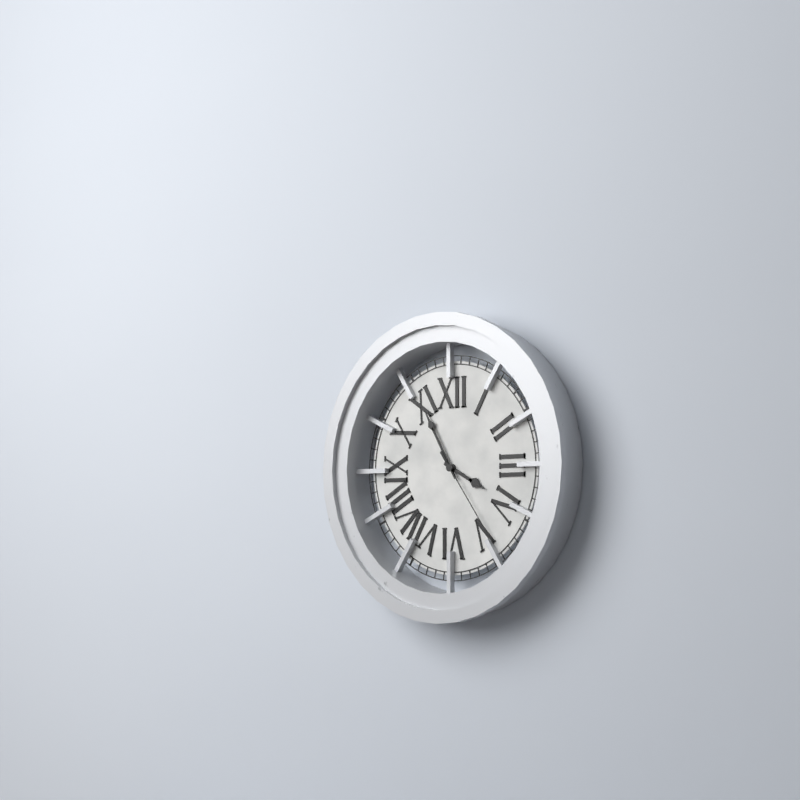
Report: h=3 m=55 s=24
